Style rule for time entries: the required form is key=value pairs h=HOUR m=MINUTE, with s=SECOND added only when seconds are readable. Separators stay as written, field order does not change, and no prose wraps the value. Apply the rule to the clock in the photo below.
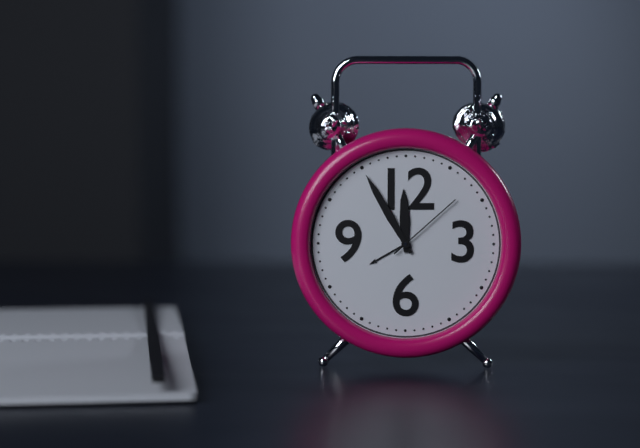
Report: h=11 m=55 s=8
